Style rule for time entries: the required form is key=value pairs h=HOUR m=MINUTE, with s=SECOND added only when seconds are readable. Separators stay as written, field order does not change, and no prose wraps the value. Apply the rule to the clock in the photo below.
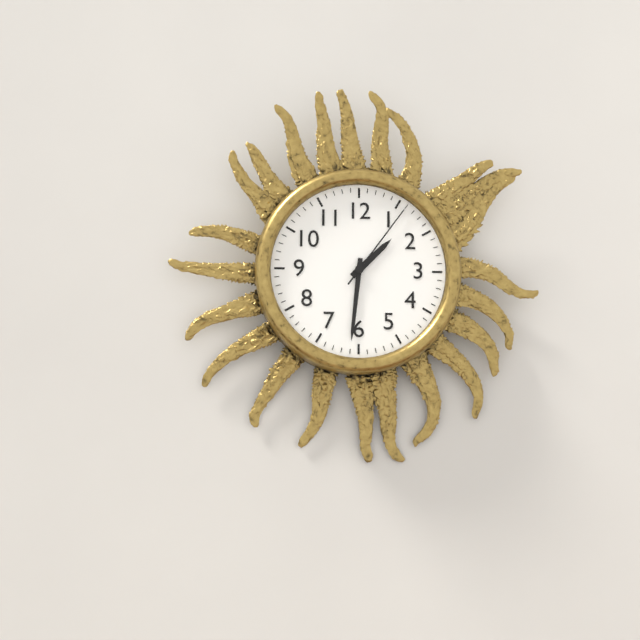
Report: h=1 m=31 s=6
